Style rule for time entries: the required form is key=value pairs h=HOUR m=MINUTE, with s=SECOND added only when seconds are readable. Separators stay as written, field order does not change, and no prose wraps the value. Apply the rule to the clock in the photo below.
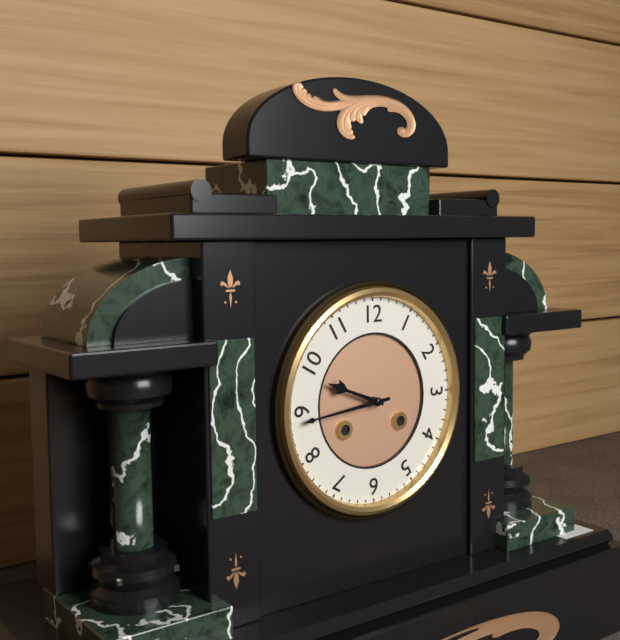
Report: h=9 m=44
